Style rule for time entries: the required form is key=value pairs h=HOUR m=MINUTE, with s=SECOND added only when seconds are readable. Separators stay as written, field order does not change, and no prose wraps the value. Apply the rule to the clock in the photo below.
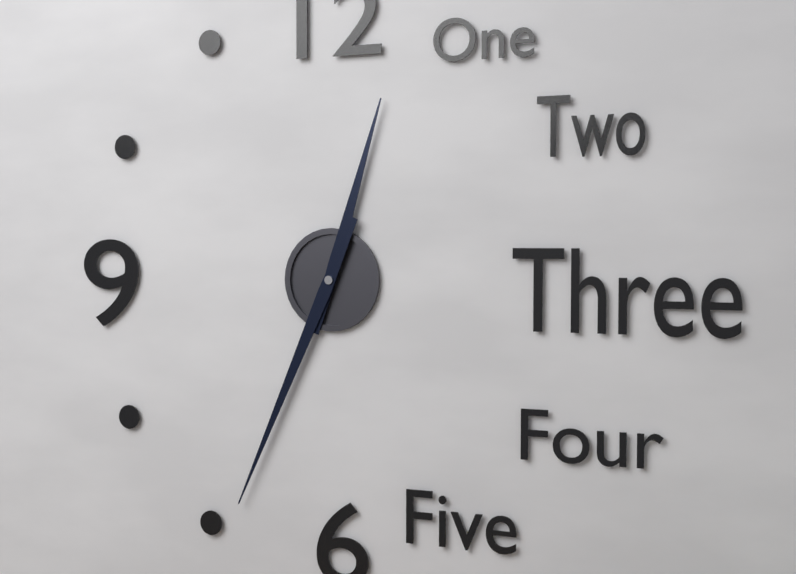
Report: h=12 m=34
